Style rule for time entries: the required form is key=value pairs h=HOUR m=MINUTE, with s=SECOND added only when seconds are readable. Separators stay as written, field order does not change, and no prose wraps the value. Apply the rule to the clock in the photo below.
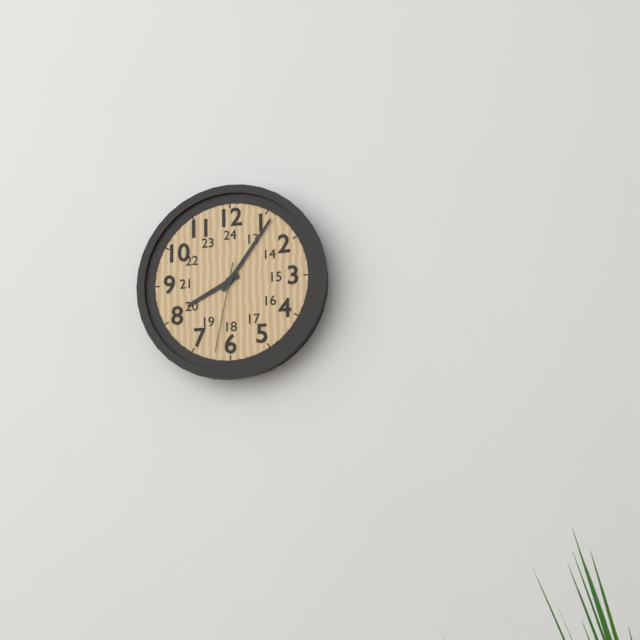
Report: h=8 m=6 s=32
